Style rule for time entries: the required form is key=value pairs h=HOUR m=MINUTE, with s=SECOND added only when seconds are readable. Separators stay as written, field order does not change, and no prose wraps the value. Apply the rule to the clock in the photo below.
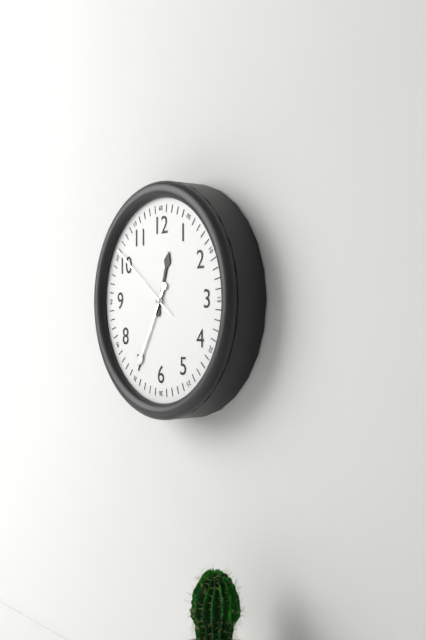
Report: h=12 m=35 s=51
